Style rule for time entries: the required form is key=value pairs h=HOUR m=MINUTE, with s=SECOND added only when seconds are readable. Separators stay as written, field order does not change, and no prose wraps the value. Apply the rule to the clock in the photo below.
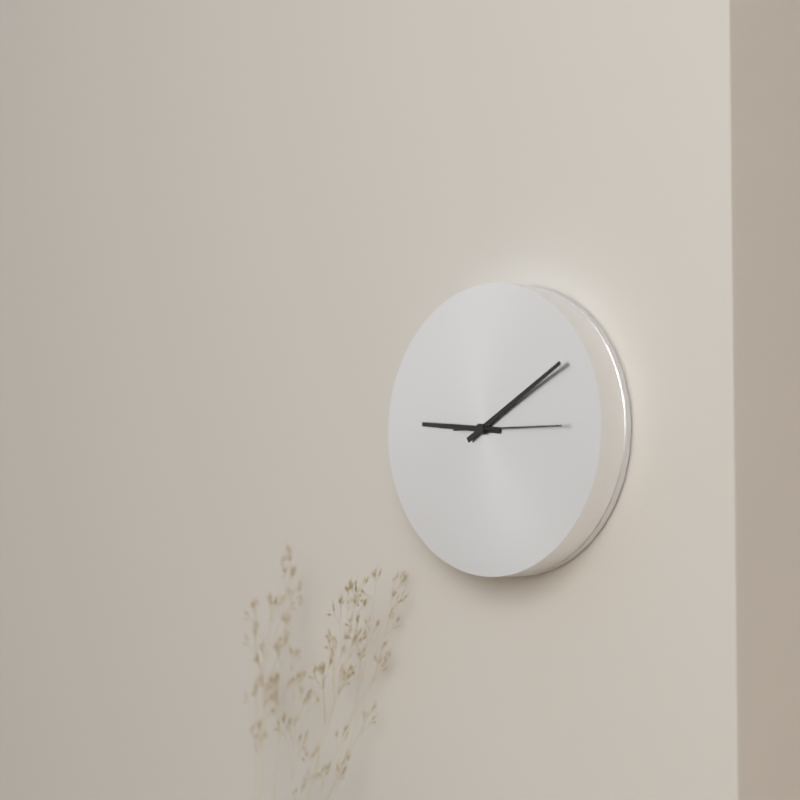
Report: h=9 m=10 s=15
